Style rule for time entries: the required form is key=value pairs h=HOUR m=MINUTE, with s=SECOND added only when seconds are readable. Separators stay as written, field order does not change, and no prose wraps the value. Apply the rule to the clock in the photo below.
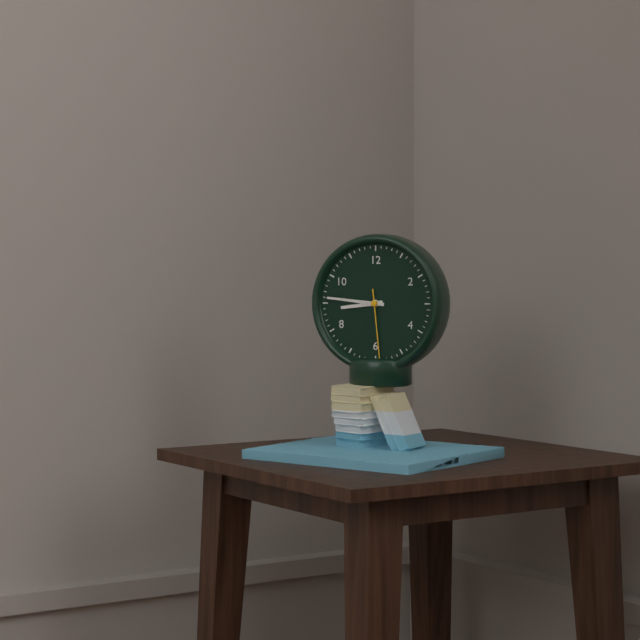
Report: h=8 m=46 s=29
